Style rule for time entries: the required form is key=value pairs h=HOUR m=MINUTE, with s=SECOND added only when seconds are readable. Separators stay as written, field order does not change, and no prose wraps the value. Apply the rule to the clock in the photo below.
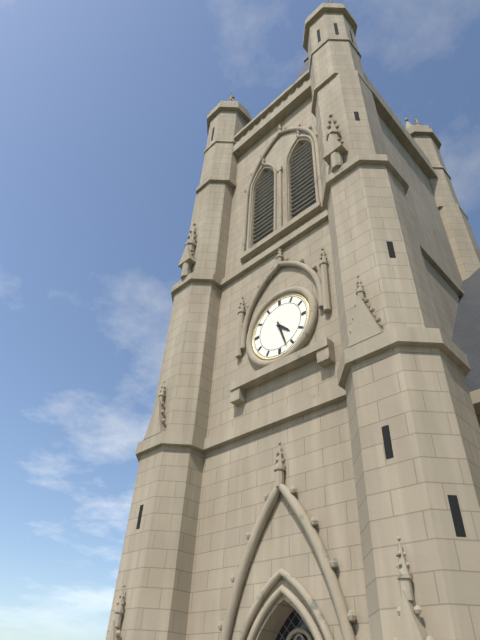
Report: h=4 m=27
